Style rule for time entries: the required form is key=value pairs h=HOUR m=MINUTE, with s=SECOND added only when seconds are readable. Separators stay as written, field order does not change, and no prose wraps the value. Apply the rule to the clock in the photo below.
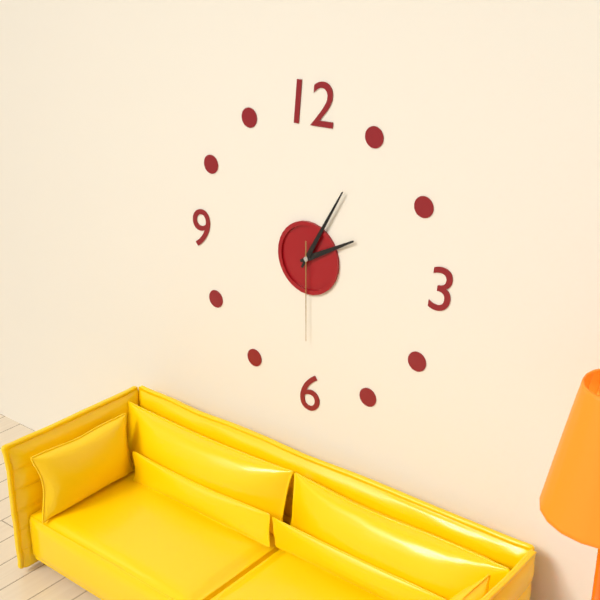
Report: h=2 m=5 s=30
